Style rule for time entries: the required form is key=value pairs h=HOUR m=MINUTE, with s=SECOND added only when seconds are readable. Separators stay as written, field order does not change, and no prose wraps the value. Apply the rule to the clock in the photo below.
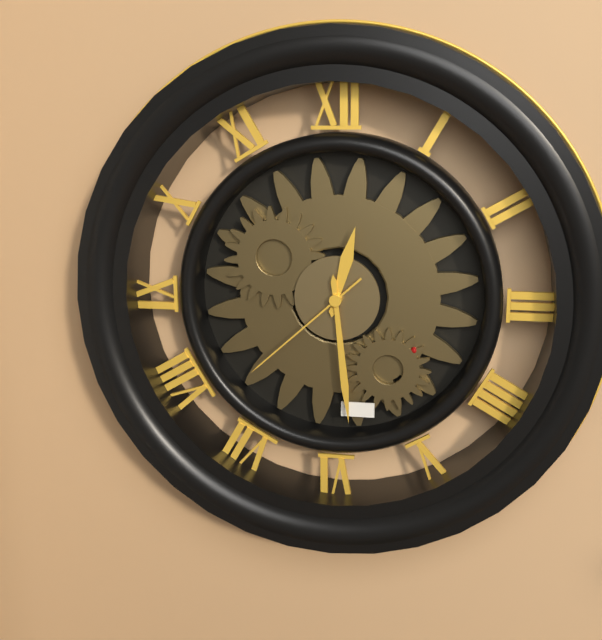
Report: h=12 m=29 s=38
